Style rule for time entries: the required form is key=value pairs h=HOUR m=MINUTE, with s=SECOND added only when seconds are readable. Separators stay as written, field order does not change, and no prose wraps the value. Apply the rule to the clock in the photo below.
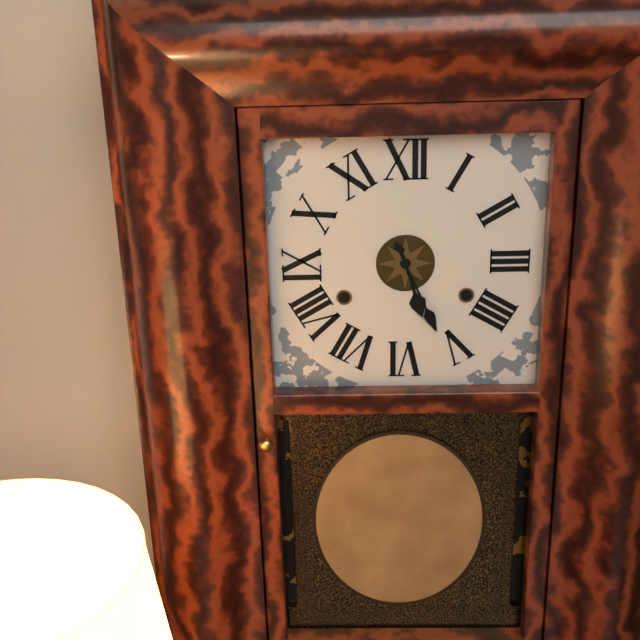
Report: h=5 m=26
